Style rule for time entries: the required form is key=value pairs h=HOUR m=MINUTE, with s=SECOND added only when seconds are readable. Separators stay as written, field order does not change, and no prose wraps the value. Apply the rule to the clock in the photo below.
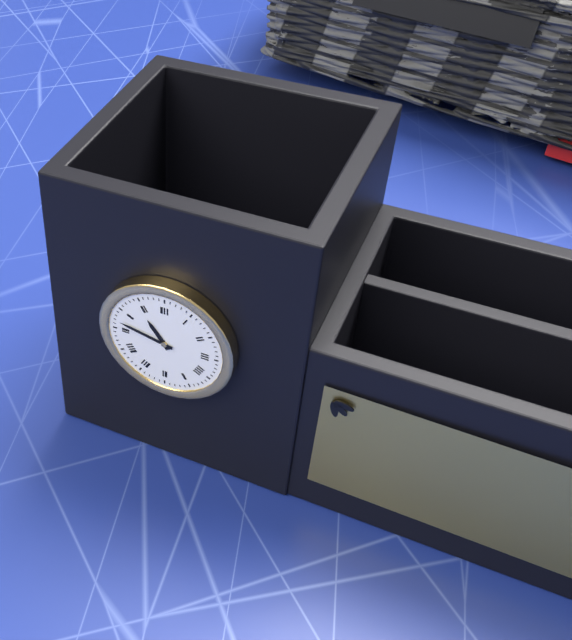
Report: h=10 m=47
